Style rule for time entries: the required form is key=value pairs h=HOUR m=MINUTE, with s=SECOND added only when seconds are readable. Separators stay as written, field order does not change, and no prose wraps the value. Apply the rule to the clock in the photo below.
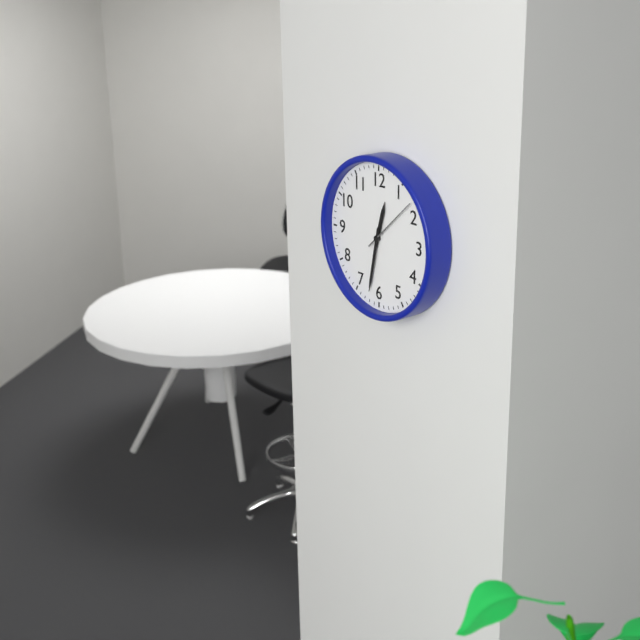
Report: h=12 m=32
